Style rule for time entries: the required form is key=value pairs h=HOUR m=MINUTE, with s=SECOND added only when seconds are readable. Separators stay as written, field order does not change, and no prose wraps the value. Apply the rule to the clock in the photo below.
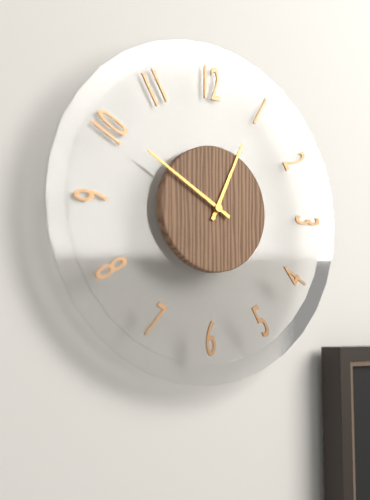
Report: h=12 m=50
